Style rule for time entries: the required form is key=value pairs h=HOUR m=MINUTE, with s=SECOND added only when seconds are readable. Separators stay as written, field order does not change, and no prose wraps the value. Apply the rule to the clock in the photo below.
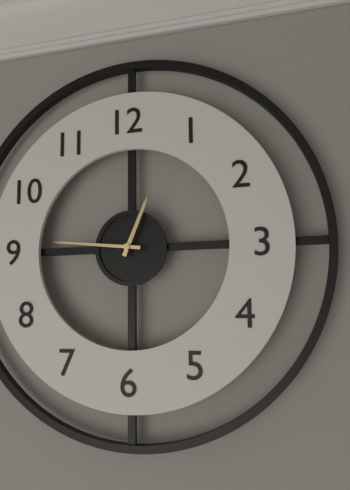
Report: h=12 m=46
